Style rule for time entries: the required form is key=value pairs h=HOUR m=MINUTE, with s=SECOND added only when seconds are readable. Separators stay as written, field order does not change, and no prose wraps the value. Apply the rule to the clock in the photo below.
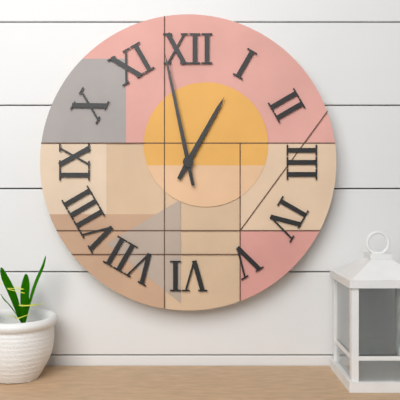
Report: h=12 m=58
